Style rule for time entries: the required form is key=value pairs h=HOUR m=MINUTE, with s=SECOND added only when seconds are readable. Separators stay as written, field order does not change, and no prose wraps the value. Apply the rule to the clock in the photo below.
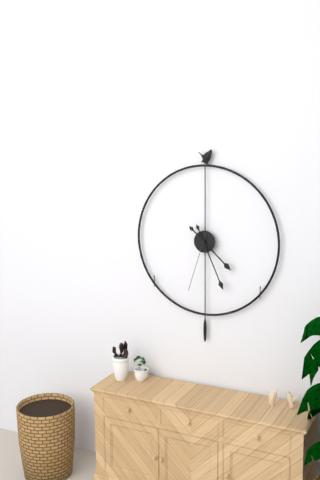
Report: h=4 m=26 s=33
